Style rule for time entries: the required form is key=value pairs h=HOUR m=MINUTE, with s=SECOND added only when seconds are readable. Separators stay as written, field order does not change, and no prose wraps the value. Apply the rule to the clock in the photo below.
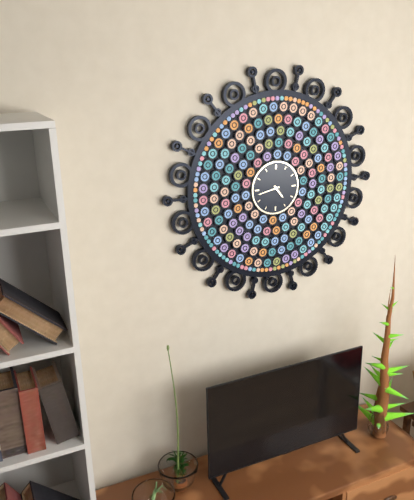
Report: h=4 m=43
